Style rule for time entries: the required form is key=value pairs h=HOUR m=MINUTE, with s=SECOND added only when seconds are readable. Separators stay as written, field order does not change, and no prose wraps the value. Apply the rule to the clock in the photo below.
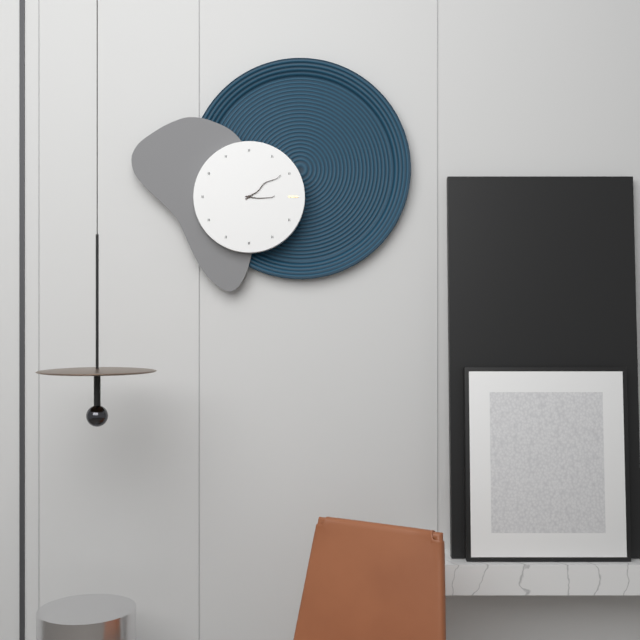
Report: h=3 m=9
